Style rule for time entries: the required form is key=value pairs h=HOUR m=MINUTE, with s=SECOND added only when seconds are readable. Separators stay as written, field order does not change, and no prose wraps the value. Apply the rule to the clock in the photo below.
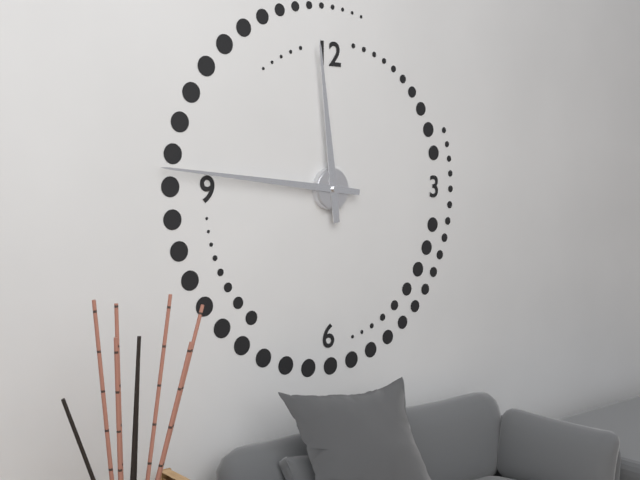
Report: h=11 m=46
